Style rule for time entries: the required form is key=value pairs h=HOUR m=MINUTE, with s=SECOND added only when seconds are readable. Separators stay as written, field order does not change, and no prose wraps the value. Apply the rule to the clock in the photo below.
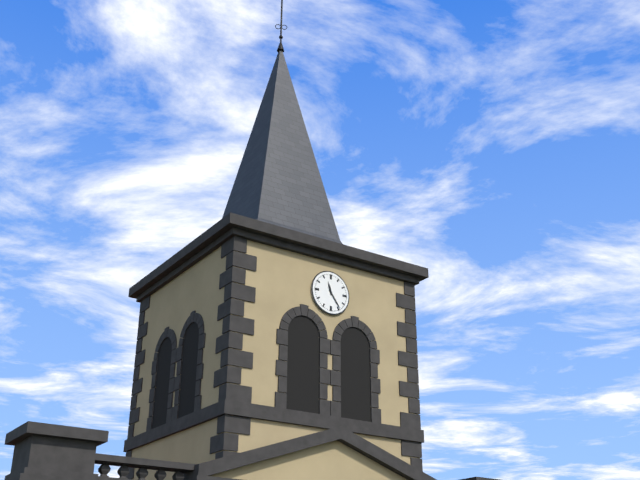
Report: h=11 m=24
